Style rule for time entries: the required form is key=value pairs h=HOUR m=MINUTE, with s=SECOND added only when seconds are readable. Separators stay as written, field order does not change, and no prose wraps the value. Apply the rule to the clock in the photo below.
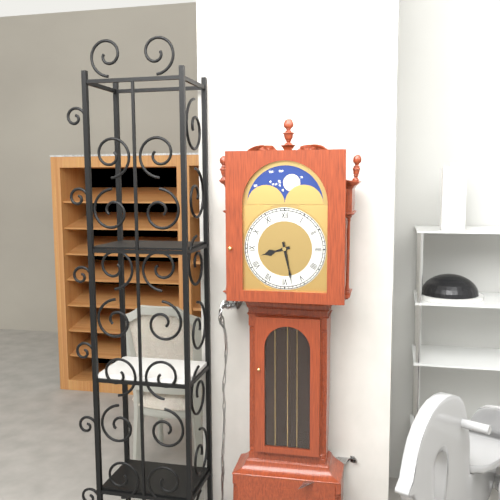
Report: h=8 m=28
